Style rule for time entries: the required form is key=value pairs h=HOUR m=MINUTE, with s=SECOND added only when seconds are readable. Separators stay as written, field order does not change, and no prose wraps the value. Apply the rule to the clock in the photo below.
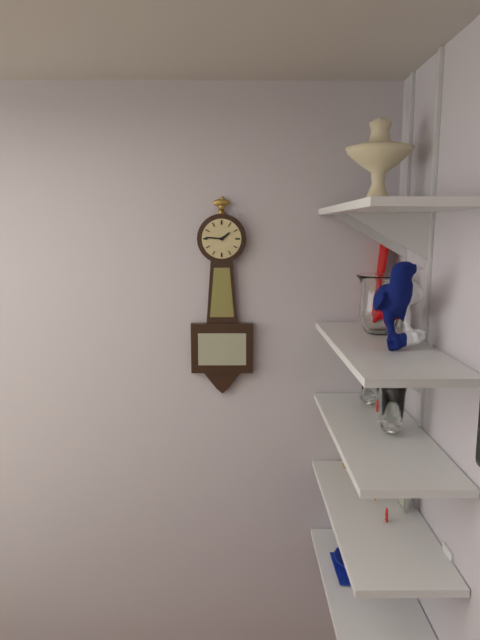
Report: h=1 m=46
